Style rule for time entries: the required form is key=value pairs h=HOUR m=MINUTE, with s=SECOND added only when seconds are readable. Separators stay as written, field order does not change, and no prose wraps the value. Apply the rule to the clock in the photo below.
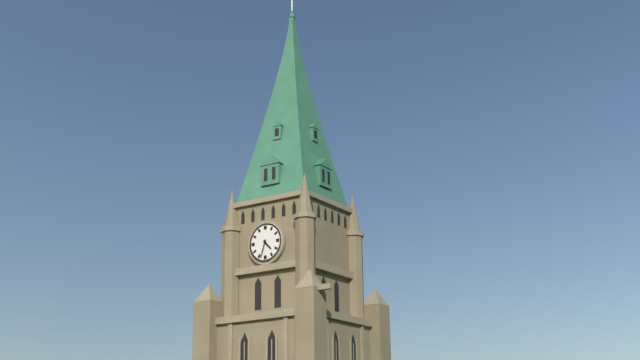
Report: h=4 m=33
